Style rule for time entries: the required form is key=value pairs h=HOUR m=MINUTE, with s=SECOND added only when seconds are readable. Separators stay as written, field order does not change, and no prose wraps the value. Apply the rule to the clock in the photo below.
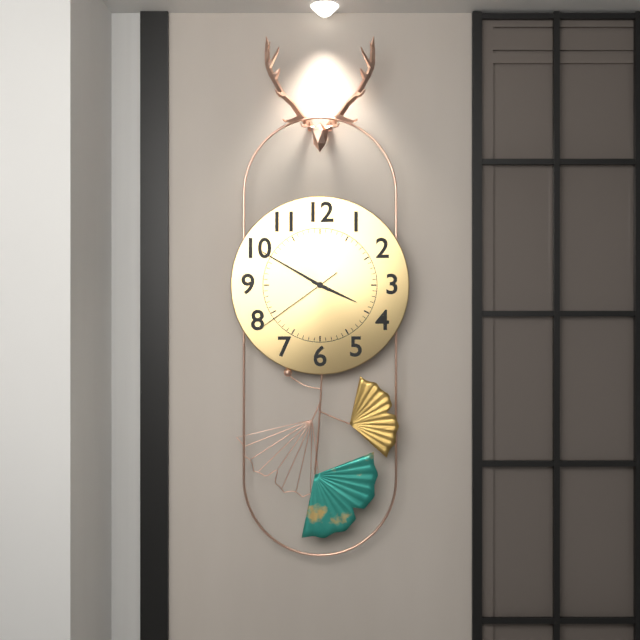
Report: h=3 m=50 s=39
